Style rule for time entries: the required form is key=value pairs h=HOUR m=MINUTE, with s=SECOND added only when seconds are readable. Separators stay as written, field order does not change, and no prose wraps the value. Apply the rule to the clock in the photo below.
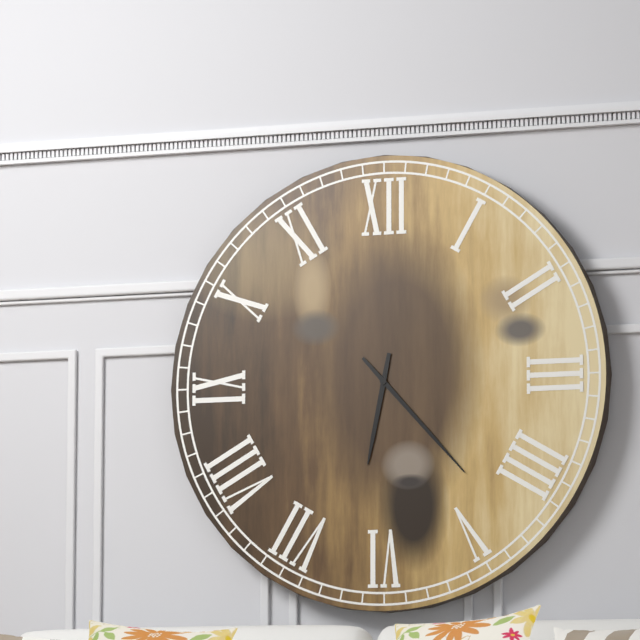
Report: h=6 m=23
